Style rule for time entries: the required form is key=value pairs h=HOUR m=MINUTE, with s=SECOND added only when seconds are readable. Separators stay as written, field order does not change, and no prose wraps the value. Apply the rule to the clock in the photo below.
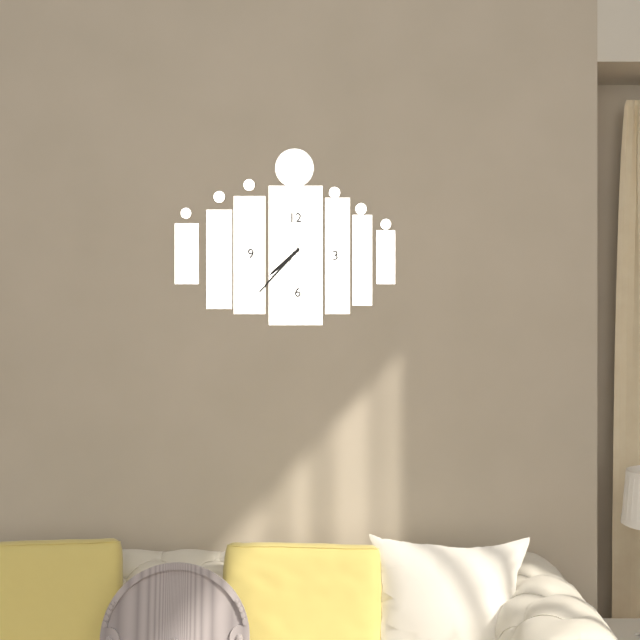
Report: h=7 m=37 s=35
